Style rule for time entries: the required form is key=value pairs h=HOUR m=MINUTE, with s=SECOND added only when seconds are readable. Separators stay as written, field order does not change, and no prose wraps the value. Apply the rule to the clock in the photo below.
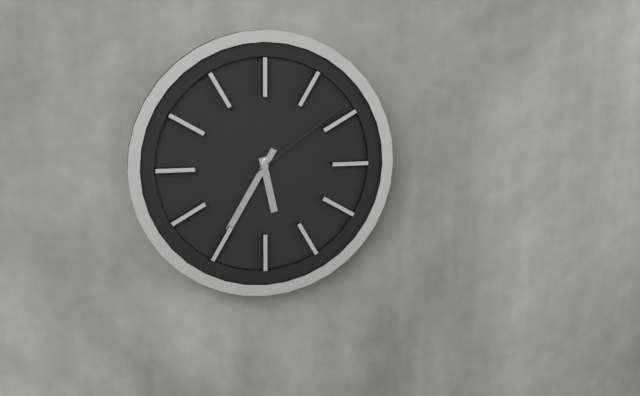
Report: h=5 m=35 s=9
